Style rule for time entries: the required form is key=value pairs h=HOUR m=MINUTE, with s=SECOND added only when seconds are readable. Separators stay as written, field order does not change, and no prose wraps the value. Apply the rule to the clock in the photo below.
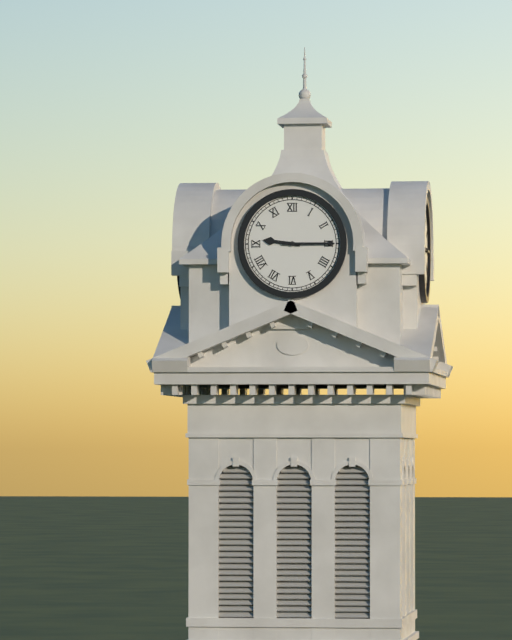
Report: h=9 m=15
